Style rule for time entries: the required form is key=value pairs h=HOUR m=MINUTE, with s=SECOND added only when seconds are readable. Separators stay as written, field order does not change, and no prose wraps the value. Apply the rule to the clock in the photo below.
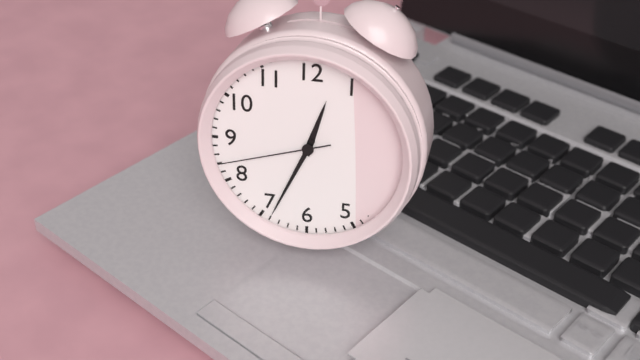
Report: h=12 m=34 s=42
